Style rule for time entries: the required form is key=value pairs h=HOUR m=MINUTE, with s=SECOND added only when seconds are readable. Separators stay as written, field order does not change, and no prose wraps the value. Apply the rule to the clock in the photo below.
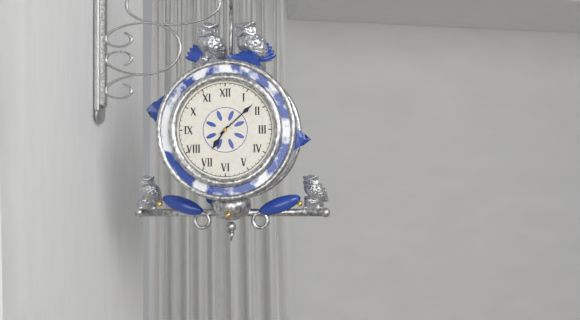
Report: h=7 m=8
